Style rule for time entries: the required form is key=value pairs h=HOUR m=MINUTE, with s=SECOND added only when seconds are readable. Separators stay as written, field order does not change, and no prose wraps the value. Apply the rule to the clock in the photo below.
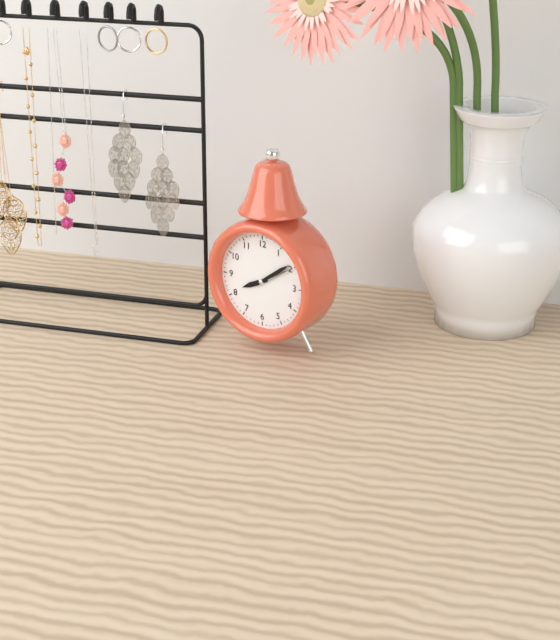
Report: h=8 m=9
